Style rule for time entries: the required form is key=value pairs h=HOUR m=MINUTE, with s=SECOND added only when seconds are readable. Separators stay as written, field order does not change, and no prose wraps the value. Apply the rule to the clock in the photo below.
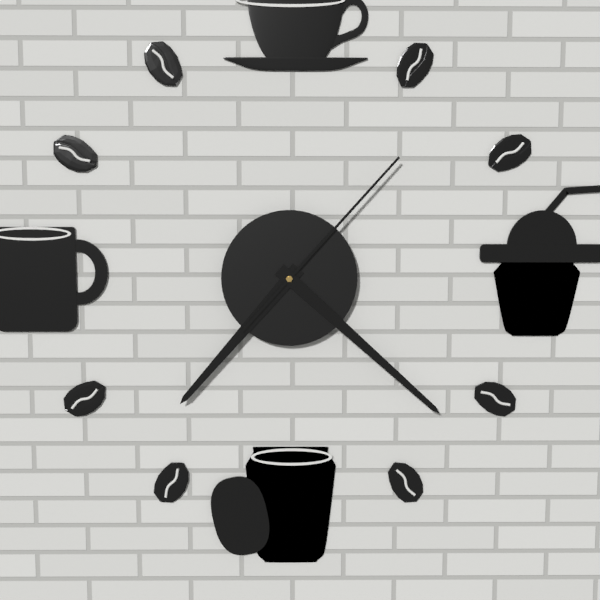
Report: h=7 m=22 s=7
